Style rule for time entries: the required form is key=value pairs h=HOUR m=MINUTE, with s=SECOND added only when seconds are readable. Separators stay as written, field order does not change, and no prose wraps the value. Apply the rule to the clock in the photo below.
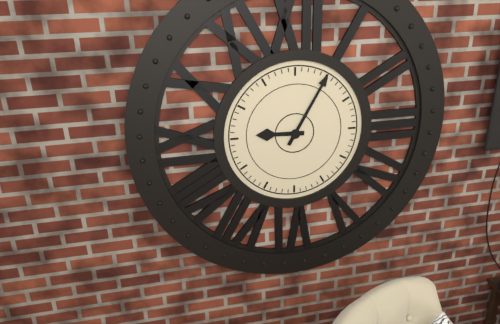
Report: h=9 m=5
